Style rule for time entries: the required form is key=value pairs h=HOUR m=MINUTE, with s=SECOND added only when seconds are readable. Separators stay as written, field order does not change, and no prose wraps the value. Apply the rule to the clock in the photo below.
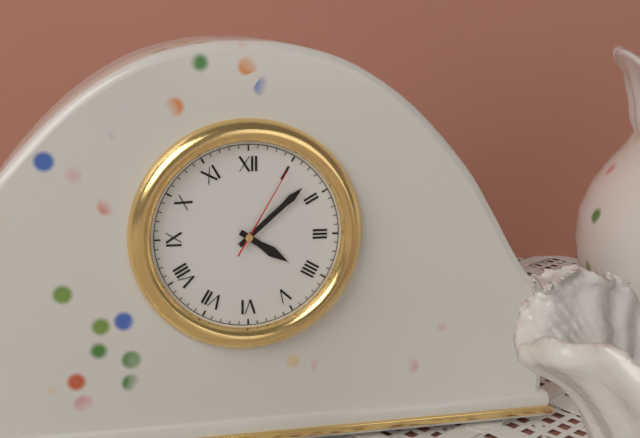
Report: h=4 m=8 s=5
